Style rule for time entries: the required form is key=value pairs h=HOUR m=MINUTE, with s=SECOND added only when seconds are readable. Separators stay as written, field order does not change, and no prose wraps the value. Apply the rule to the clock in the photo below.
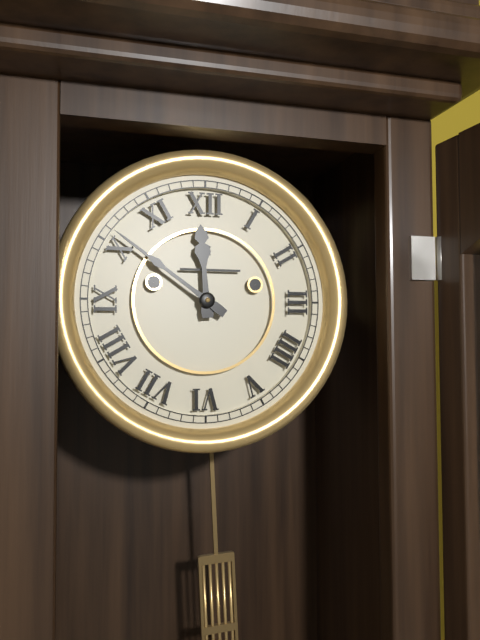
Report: h=11 m=51
